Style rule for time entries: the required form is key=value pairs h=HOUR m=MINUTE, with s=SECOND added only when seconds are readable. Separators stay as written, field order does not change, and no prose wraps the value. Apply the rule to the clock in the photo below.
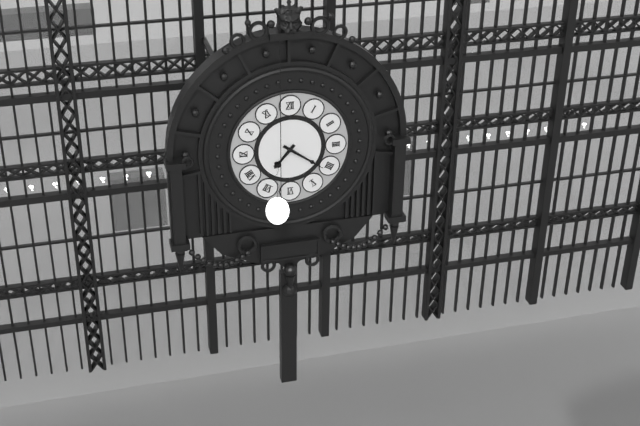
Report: h=7 m=21
